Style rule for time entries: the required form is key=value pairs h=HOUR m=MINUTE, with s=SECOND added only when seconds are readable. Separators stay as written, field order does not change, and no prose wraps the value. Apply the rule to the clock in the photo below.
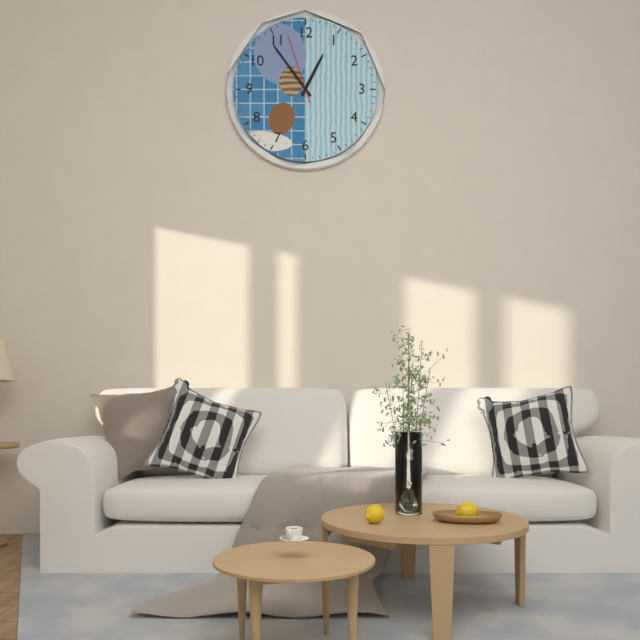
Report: h=12 m=54 s=57
